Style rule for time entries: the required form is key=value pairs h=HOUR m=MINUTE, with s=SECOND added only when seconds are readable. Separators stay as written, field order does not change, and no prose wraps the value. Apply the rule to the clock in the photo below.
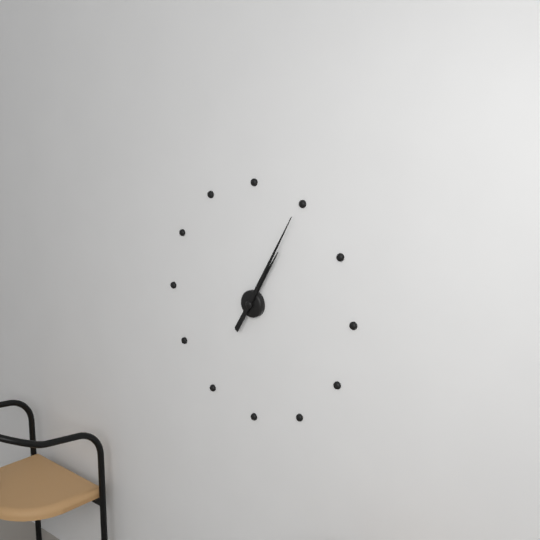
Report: h=1 m=5
